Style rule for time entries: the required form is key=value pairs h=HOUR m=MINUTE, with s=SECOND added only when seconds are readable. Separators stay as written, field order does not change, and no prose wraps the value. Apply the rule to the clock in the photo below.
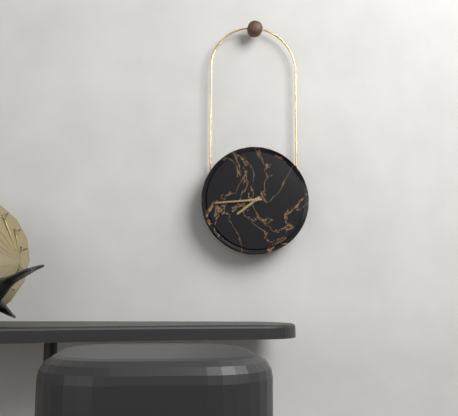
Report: h=7 m=44
